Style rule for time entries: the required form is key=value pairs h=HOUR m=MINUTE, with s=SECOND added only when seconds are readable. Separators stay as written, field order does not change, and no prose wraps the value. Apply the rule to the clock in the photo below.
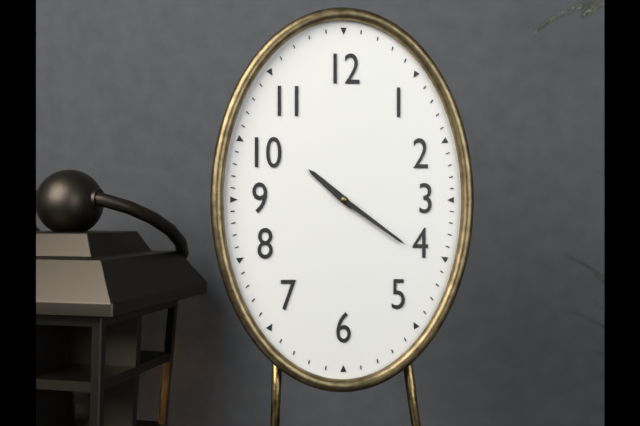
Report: h=10 m=21
